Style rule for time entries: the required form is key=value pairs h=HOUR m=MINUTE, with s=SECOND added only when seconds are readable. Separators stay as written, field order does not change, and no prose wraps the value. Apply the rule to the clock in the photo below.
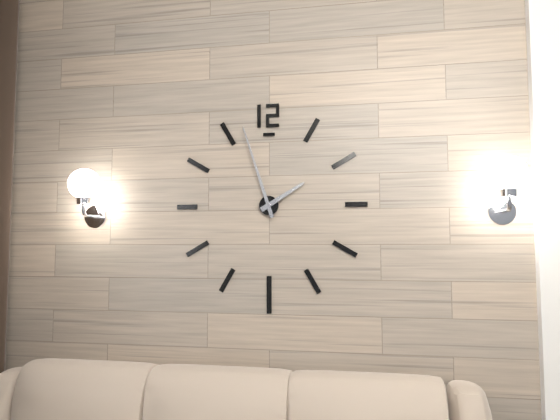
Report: h=1 m=57
